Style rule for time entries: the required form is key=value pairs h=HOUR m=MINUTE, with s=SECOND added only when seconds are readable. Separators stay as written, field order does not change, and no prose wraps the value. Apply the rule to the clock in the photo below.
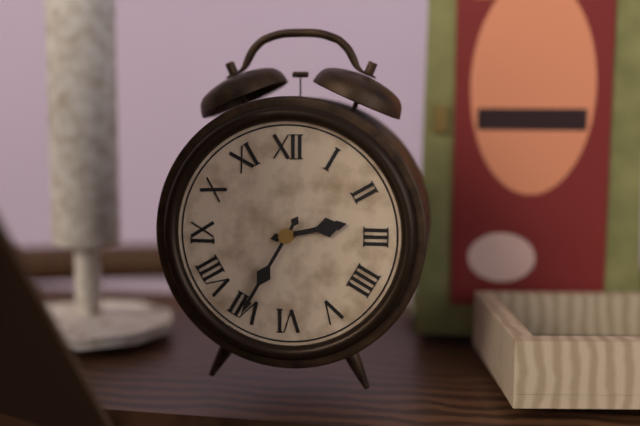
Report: h=2 m=35
